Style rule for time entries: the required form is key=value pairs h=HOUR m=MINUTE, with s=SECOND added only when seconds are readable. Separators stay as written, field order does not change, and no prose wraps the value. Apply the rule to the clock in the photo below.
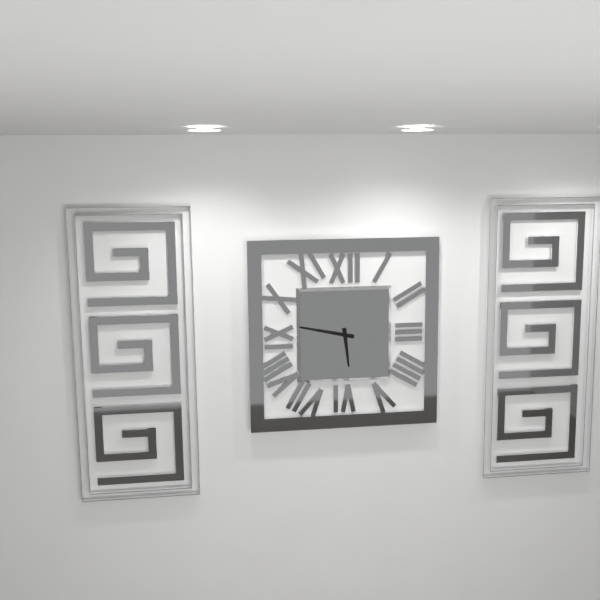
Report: h=5 m=47
